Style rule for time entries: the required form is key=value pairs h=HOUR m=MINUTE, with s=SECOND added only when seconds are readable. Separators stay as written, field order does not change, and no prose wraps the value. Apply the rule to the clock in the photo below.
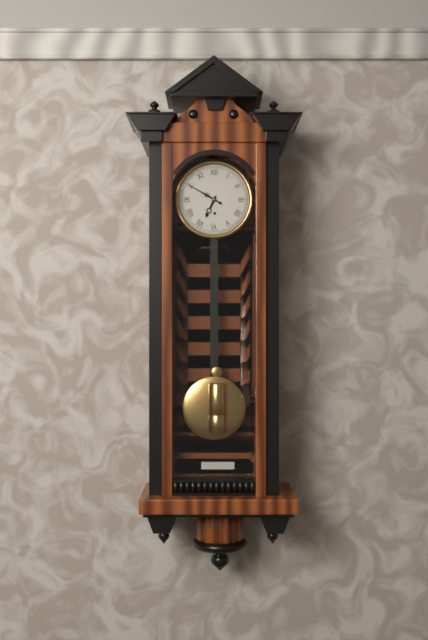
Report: h=6 m=50
